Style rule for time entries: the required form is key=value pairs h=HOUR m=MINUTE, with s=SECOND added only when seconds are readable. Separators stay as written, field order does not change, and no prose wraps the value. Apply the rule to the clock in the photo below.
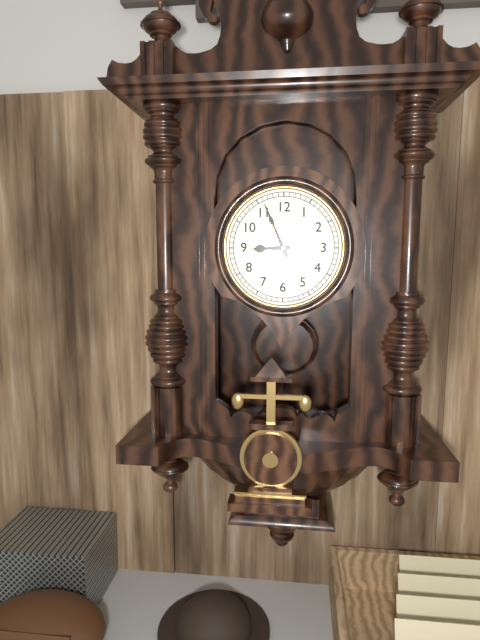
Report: h=8 m=56
